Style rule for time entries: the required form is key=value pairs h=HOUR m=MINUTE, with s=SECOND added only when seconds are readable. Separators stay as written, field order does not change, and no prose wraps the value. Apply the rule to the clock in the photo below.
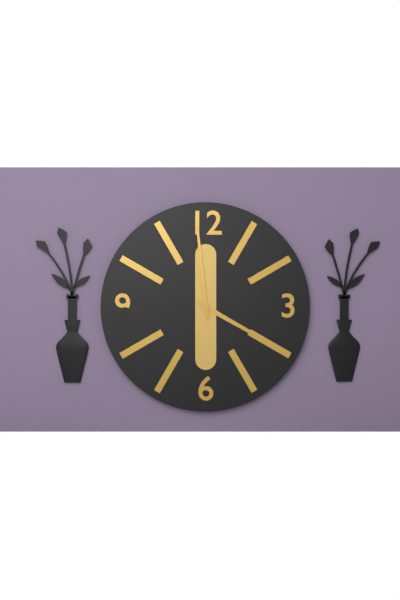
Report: h=3 m=59
